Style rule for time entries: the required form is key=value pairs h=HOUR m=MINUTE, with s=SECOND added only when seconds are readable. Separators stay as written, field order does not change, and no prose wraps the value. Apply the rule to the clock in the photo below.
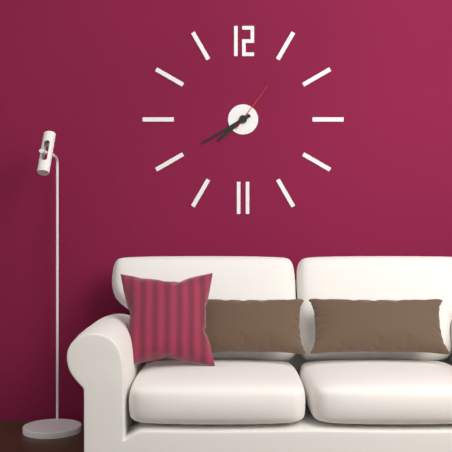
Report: h=7 m=40 s=6
